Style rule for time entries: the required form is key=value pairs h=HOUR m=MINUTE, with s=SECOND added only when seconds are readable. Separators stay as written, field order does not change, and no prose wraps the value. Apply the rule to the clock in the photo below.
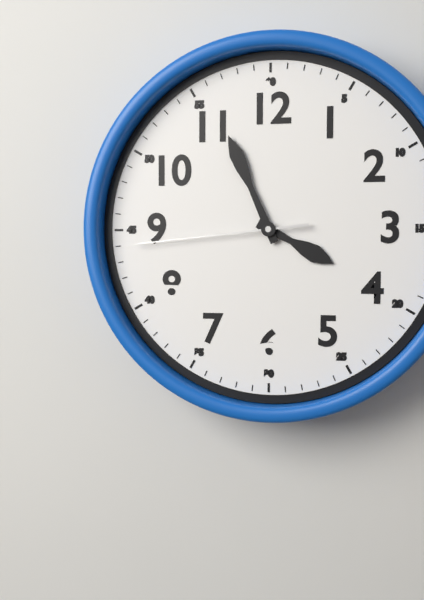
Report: h=3 m=56 s=44
